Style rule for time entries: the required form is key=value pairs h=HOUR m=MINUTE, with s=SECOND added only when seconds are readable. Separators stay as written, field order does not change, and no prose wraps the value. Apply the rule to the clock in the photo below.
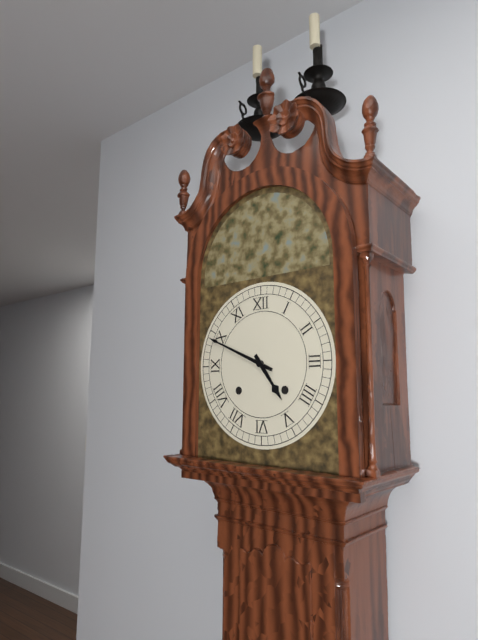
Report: h=4 m=49
